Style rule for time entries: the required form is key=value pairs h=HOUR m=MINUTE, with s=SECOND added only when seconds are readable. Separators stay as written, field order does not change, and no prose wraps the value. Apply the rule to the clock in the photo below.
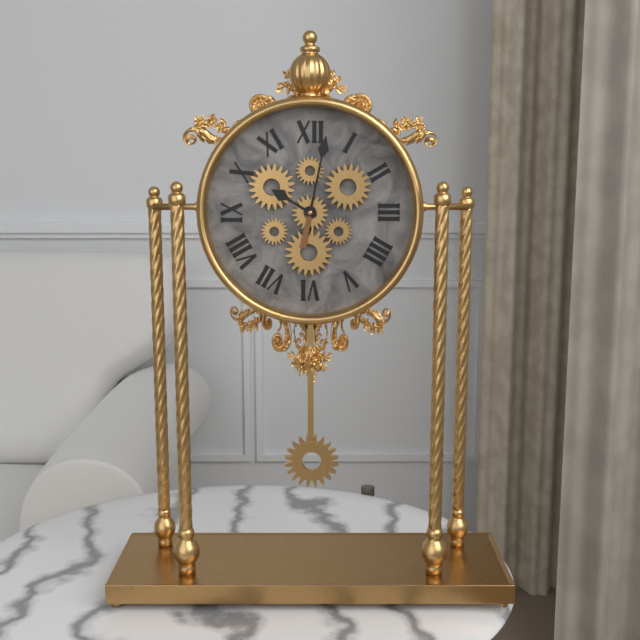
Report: h=10 m=2
